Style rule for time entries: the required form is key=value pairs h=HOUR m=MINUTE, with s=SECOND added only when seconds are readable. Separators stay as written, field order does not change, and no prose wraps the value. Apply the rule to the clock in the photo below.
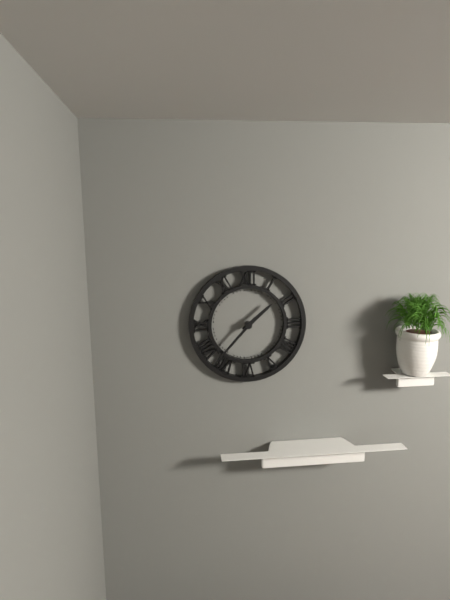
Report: h=1 m=37
